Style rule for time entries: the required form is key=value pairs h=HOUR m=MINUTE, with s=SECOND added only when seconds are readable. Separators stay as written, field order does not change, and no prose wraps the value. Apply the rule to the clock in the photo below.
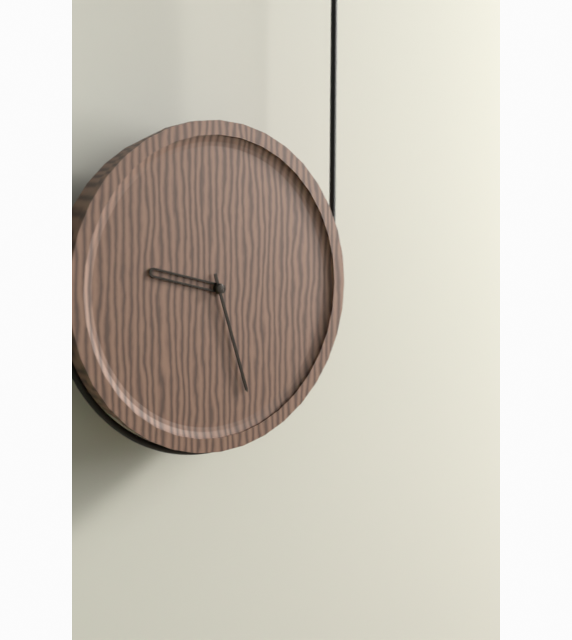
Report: h=9 m=27
